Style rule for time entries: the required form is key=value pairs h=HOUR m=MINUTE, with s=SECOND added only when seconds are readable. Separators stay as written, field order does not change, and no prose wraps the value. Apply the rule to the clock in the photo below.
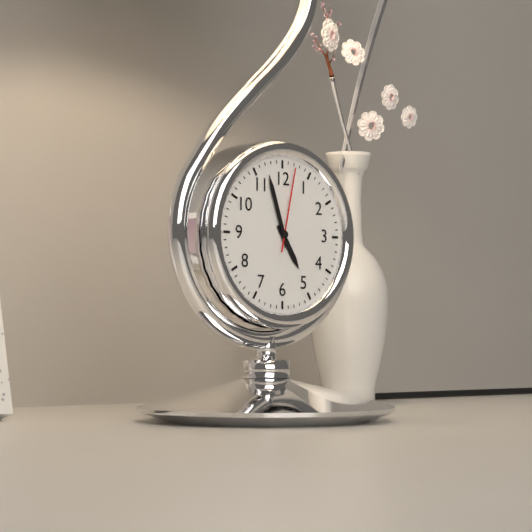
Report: h=4 m=57 s=2
